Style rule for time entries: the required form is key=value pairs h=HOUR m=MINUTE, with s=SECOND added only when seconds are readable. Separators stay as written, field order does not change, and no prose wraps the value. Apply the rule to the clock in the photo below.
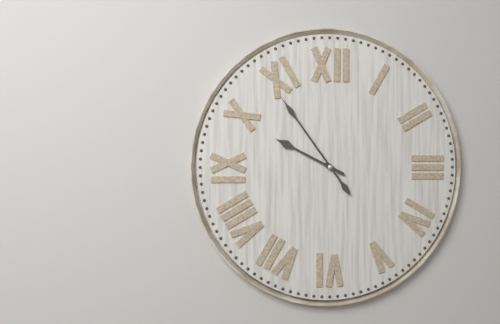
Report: h=9 m=54
